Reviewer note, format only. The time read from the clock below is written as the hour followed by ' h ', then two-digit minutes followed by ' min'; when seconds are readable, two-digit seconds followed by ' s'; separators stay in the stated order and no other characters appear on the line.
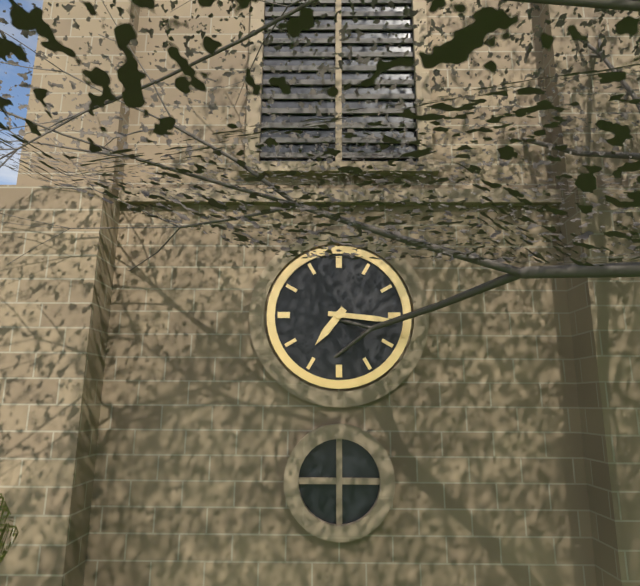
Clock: 7 h 16 min
